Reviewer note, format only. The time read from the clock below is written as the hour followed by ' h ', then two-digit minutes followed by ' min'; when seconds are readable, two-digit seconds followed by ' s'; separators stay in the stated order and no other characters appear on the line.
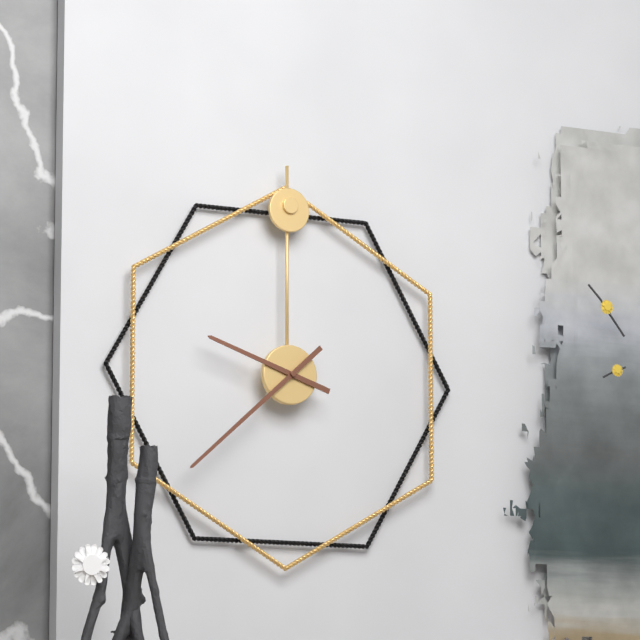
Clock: 9 h 38 min
